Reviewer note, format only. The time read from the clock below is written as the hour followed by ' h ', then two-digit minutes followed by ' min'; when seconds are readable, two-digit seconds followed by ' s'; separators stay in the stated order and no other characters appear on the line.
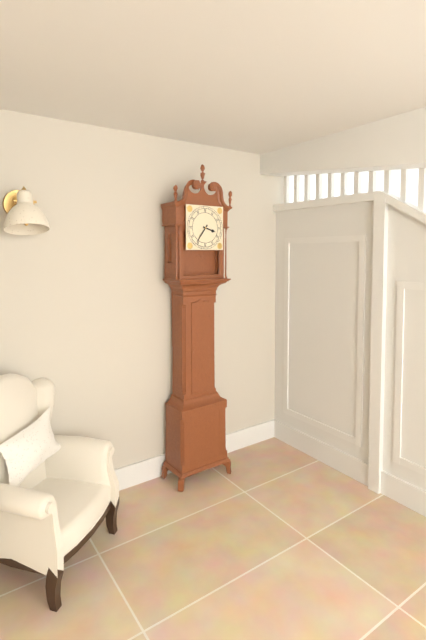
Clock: 3 h 36 min
